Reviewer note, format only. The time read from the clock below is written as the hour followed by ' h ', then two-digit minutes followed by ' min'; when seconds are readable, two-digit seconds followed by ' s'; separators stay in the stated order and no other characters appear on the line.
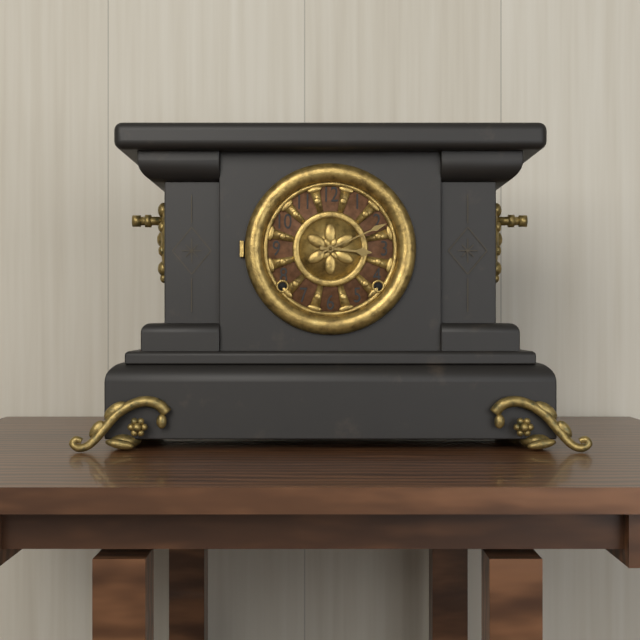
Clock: 3 h 11 min
